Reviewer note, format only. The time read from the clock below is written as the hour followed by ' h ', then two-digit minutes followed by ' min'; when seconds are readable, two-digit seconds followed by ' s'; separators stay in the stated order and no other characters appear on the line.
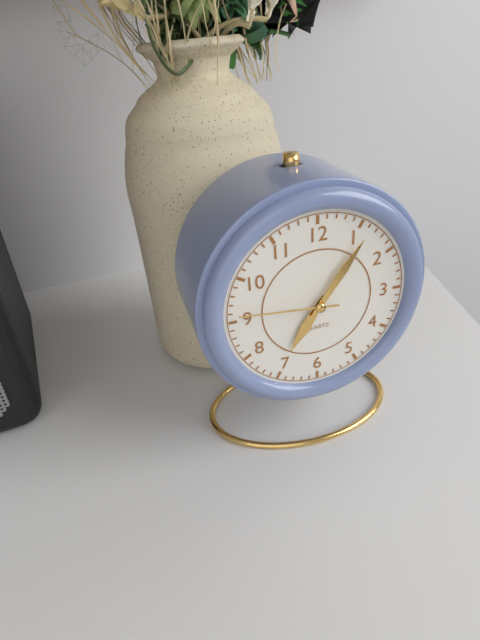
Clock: 7 h 06 min 46 s
